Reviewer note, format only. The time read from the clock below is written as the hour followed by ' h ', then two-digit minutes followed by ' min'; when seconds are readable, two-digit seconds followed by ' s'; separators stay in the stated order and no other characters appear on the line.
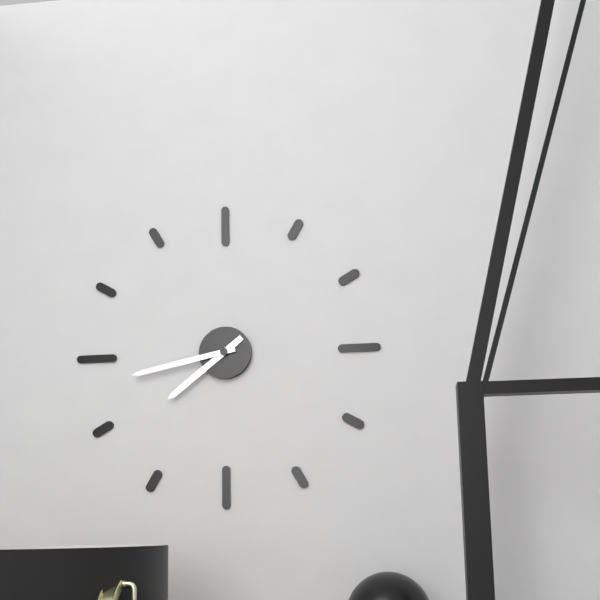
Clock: 7 h 43 min
